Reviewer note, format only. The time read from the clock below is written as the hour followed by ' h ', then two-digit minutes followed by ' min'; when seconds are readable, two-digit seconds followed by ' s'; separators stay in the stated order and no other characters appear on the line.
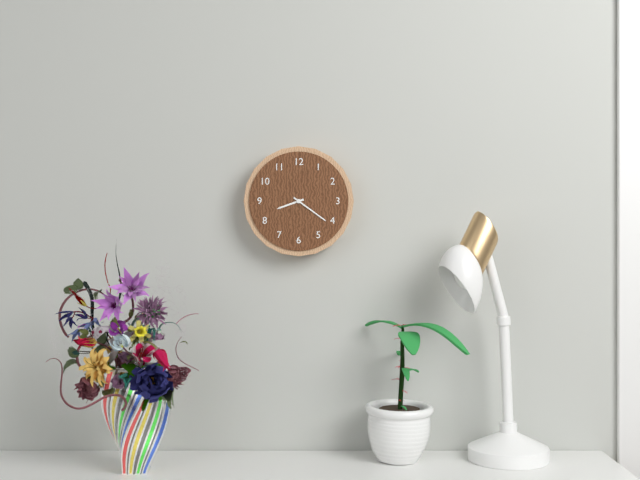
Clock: 8 h 21 min
